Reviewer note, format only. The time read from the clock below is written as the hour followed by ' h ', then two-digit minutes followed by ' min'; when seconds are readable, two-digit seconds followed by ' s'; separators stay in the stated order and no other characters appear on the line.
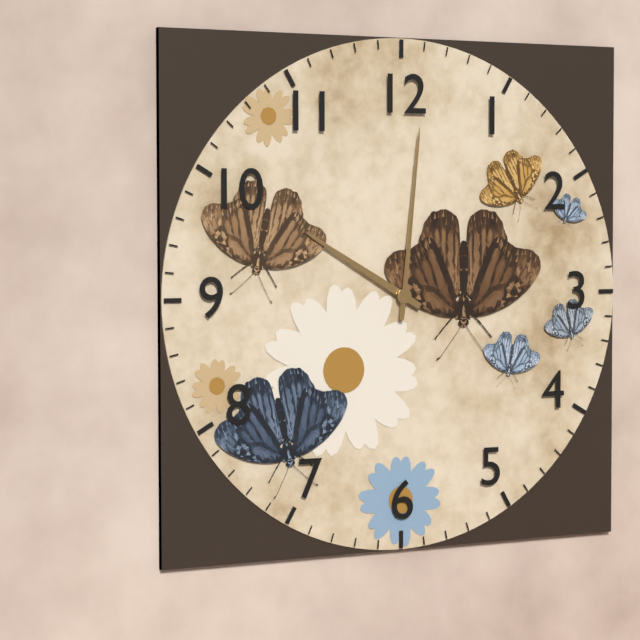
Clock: 10 h 01 min
